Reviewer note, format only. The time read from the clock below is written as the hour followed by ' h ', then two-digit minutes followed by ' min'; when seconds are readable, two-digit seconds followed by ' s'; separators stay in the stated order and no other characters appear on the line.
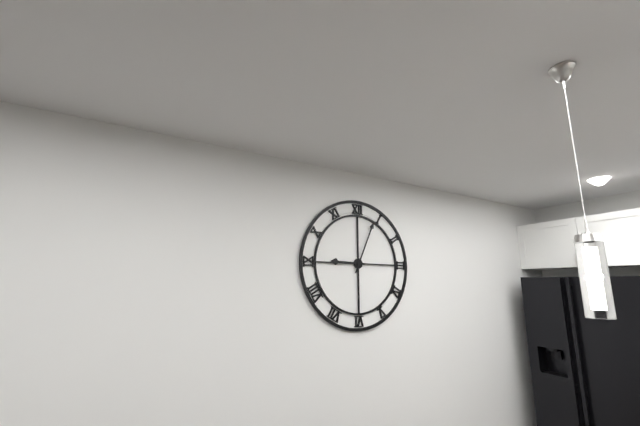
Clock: 9 h 04 min
